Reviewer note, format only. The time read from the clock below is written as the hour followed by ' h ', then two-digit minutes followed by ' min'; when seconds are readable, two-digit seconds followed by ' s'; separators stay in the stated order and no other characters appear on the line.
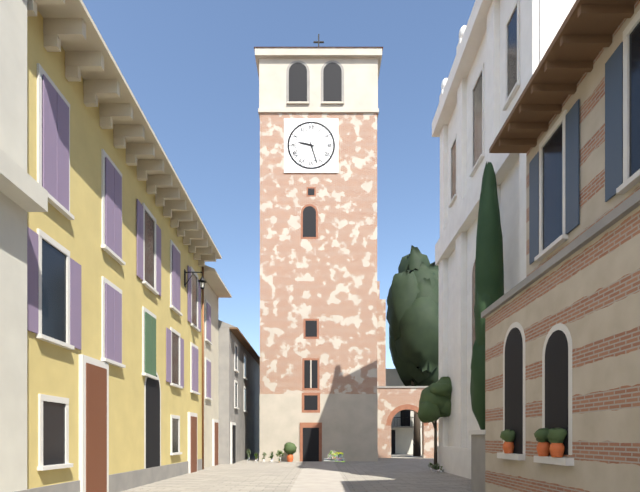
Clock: 9 h 27 min
